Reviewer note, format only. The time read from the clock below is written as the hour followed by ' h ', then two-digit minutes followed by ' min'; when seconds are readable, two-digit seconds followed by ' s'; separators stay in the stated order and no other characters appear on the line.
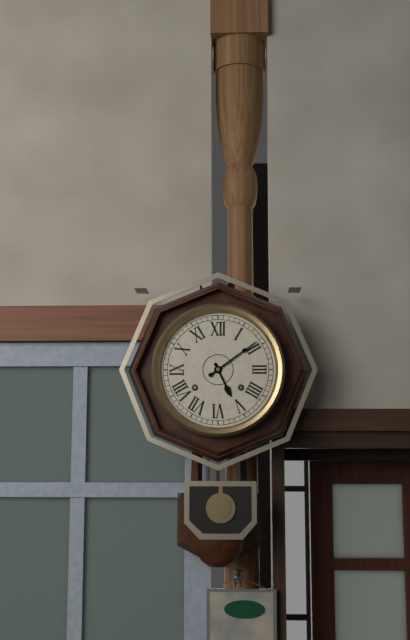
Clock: 5 h 09 min
